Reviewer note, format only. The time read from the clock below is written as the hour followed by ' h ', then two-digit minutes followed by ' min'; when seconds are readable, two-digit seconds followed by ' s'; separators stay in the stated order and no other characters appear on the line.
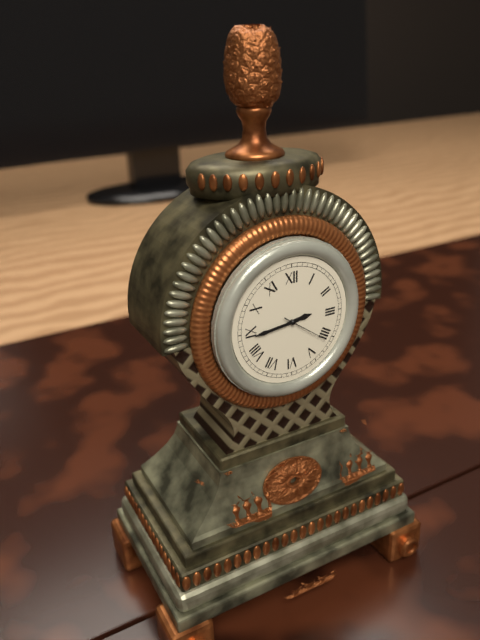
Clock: 2 h 44 min
